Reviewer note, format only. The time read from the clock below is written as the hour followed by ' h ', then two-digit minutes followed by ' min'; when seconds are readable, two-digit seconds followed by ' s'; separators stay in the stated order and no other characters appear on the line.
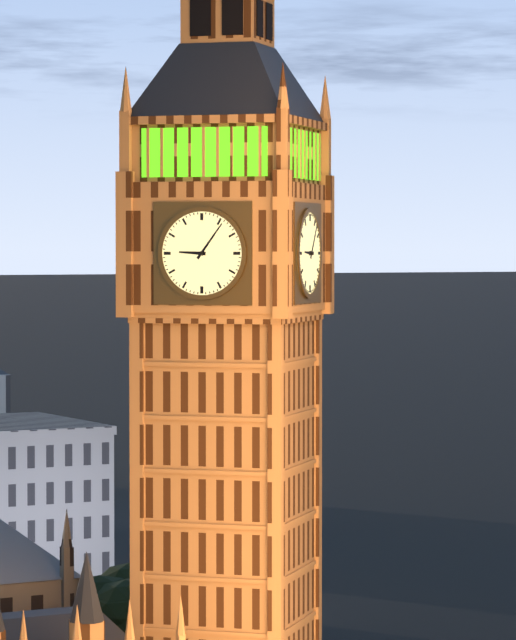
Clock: 9 h 06 min
